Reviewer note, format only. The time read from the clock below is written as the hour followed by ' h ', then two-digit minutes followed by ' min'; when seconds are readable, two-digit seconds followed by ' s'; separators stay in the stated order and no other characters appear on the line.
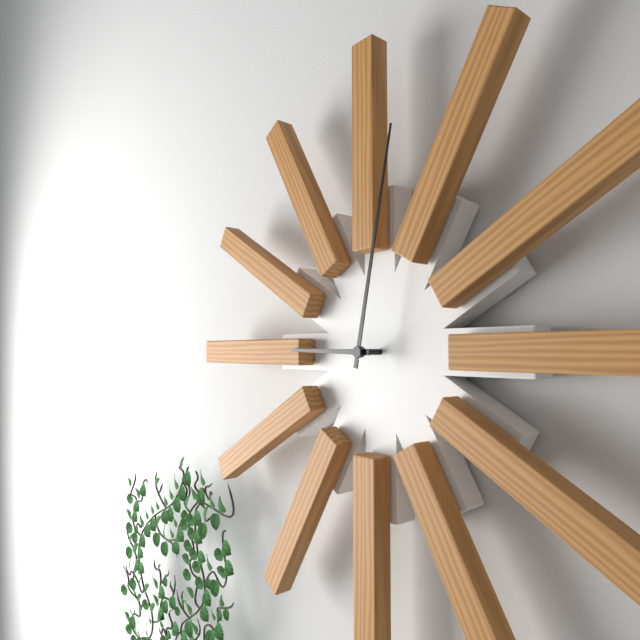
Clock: 9 h 02 min
